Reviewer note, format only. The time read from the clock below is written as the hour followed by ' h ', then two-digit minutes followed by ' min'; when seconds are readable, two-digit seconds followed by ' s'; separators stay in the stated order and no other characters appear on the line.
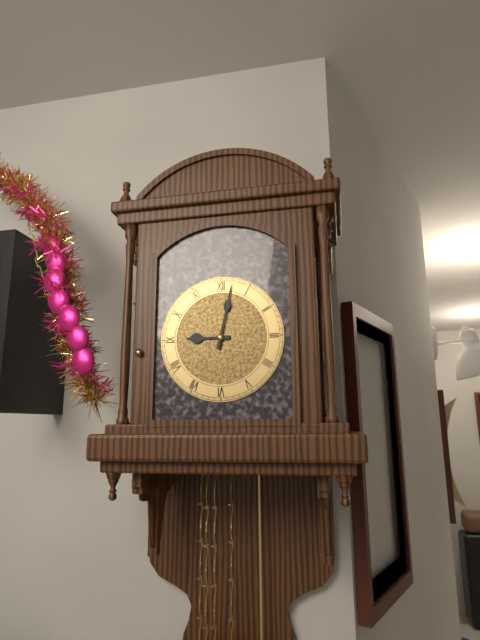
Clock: 9 h 02 min
